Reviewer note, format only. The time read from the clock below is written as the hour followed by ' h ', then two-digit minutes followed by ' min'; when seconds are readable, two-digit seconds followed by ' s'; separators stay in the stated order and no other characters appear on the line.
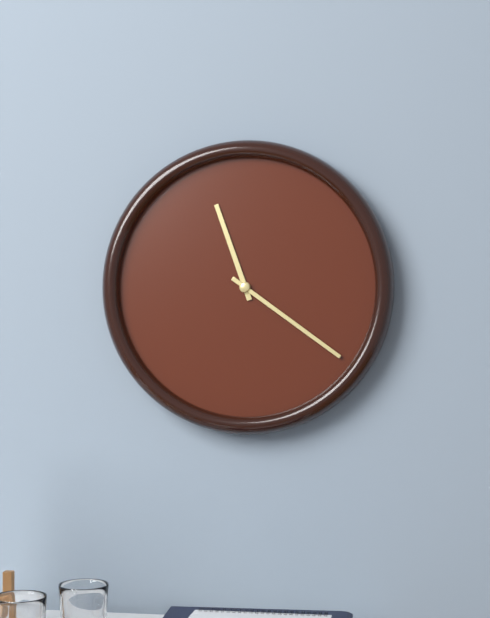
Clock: 11 h 21 min
